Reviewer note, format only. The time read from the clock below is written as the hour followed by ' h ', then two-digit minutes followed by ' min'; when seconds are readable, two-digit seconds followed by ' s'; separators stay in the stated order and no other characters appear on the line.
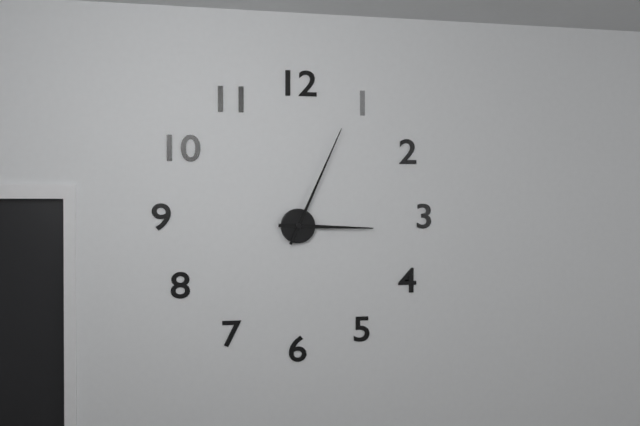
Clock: 3 h 04 min
